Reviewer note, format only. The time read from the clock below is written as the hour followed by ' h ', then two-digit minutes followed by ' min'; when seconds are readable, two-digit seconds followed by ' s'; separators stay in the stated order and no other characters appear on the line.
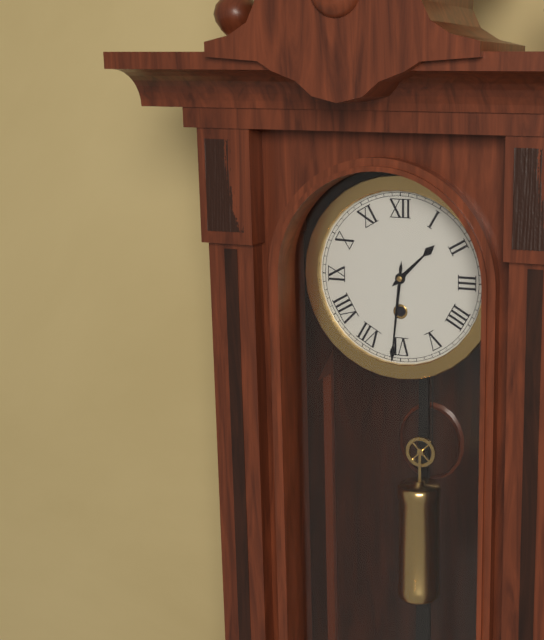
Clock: 1 h 31 min
